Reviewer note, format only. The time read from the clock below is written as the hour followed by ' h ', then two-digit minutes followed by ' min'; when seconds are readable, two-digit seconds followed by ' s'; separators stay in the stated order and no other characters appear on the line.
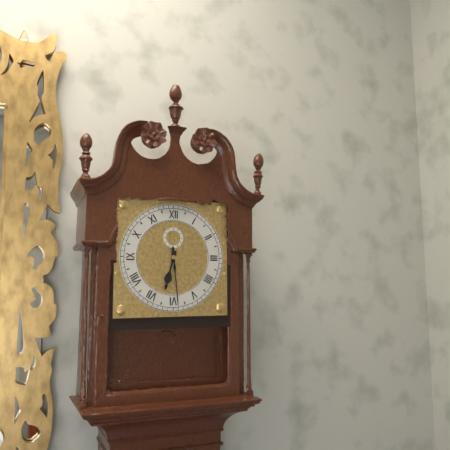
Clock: 6 h 29 min
